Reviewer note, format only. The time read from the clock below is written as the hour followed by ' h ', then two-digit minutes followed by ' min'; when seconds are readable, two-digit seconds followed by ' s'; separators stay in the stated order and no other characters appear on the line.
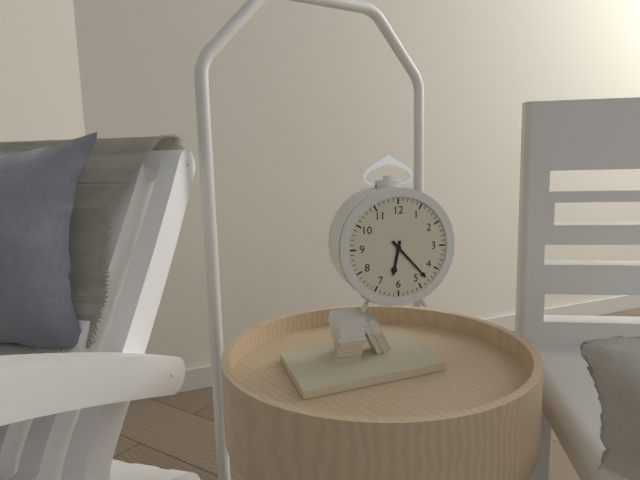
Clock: 6 h 23 min
